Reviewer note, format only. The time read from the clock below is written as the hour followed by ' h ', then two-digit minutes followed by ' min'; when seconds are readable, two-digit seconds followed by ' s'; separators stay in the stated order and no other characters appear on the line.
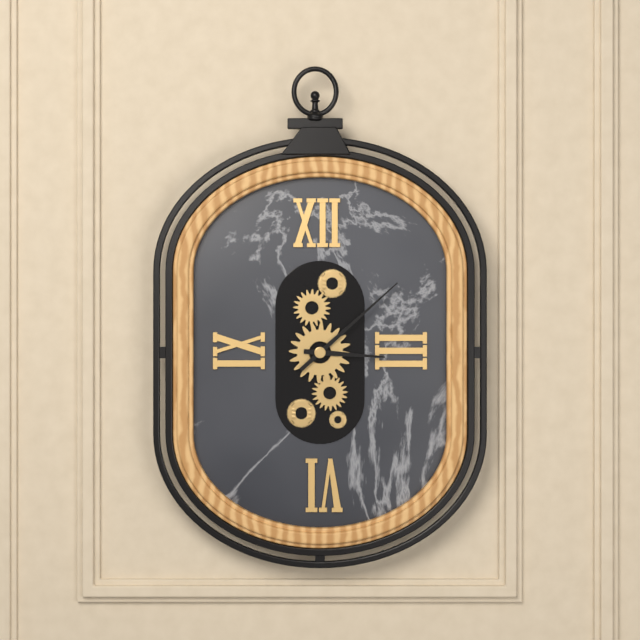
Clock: 3 h 08 min
